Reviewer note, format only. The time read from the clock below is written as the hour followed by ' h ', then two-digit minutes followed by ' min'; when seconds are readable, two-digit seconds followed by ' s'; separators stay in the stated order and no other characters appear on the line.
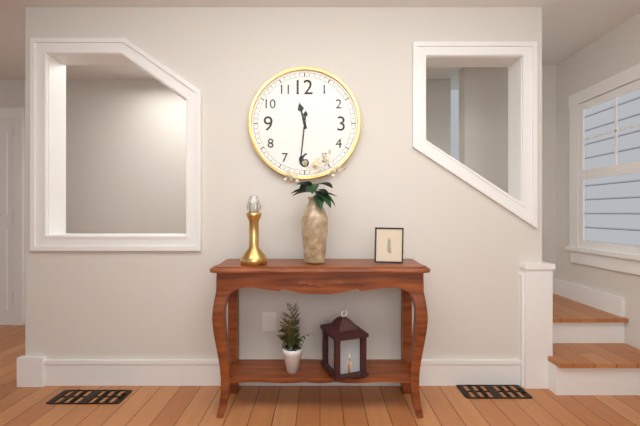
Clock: 11 h 31 min
